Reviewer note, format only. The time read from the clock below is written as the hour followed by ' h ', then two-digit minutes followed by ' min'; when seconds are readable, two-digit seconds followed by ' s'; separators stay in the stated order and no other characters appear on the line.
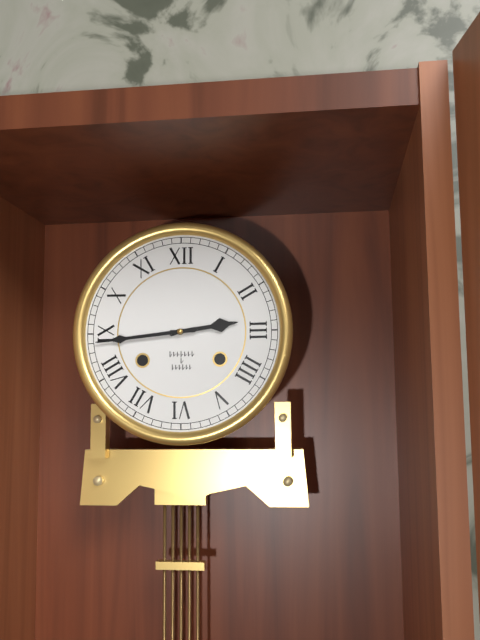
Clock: 2 h 44 min
